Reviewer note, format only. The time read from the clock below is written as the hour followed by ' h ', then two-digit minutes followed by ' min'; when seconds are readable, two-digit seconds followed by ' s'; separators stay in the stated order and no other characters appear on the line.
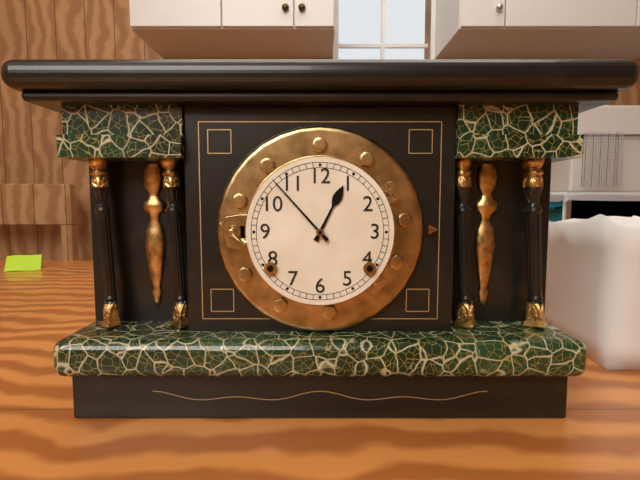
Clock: 12 h 53 min
